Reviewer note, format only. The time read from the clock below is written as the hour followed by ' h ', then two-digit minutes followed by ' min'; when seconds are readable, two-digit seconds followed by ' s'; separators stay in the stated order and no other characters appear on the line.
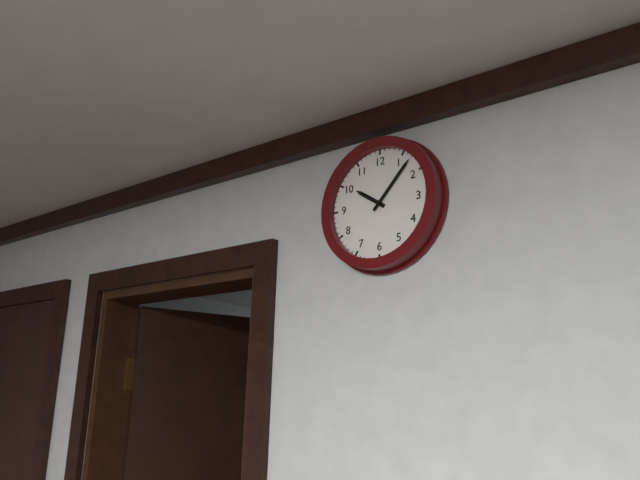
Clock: 10 h 07 min
